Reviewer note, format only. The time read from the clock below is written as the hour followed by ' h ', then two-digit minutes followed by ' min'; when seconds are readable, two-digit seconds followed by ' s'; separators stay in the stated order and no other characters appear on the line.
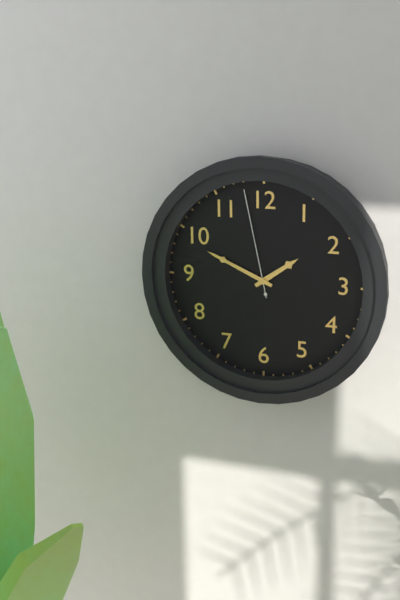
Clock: 1 h 49 min 58 s
